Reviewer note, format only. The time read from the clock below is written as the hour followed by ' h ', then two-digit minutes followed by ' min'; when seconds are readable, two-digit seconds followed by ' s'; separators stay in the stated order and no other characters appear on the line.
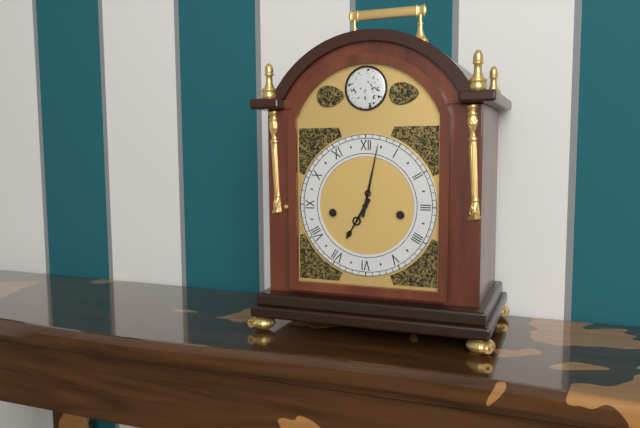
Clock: 7 h 02 min
